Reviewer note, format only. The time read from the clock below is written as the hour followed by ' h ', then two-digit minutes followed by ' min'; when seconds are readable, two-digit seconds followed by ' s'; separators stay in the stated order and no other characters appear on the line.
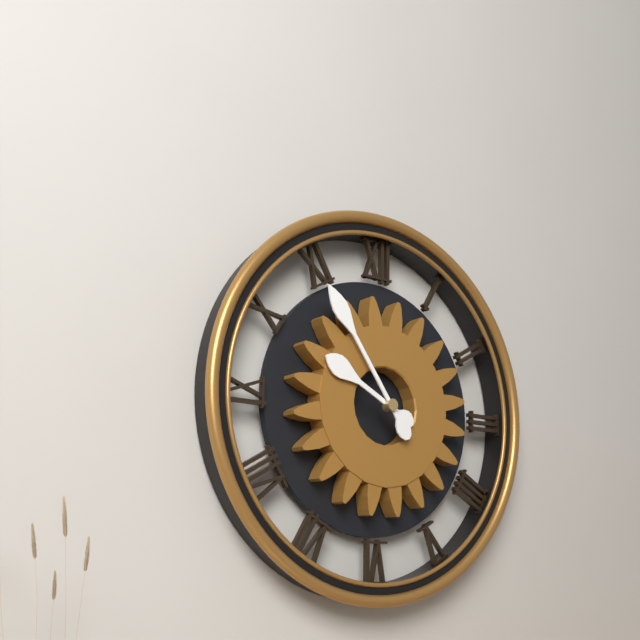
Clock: 9 h 54 min
